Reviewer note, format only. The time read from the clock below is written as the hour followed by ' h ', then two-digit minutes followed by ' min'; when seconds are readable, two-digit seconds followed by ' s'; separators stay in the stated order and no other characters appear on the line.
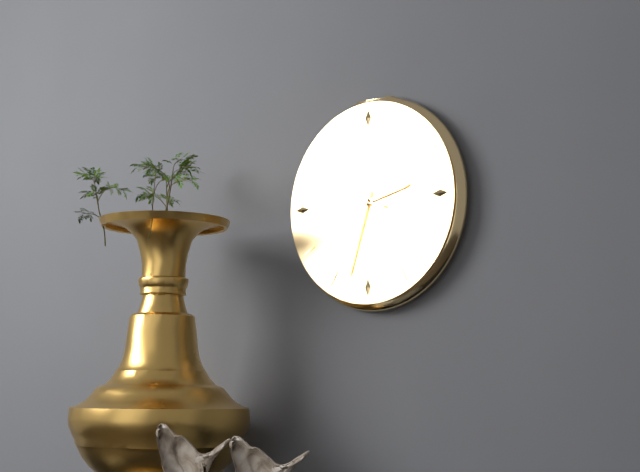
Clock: 2 h 33 min 48 s
